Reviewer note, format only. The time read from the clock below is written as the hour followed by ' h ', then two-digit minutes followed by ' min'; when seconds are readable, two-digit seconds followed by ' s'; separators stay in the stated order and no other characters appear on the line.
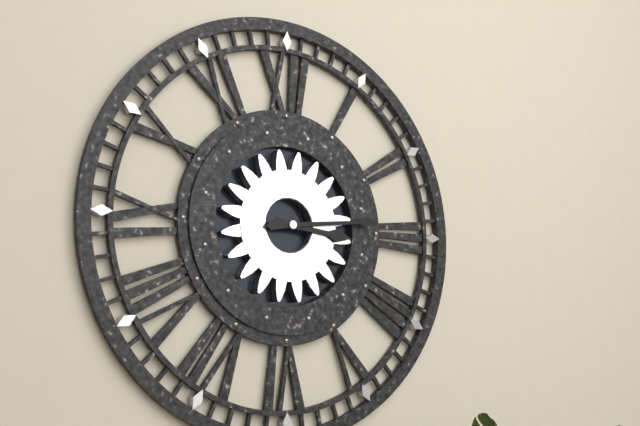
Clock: 3 h 14 min
